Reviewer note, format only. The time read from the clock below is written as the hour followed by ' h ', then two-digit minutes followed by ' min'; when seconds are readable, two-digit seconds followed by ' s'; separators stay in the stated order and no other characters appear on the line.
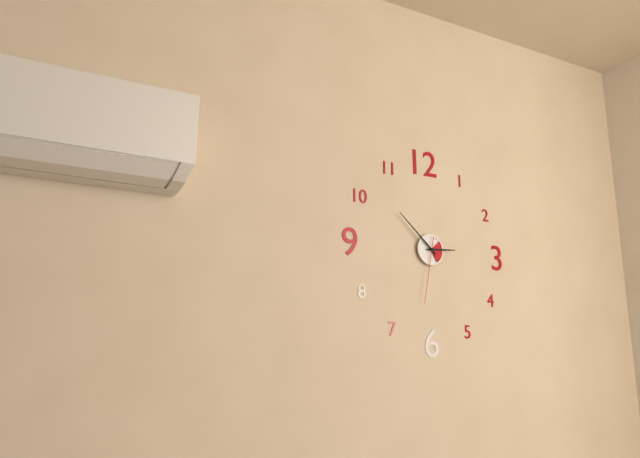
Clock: 2 h 52 min 32 s
